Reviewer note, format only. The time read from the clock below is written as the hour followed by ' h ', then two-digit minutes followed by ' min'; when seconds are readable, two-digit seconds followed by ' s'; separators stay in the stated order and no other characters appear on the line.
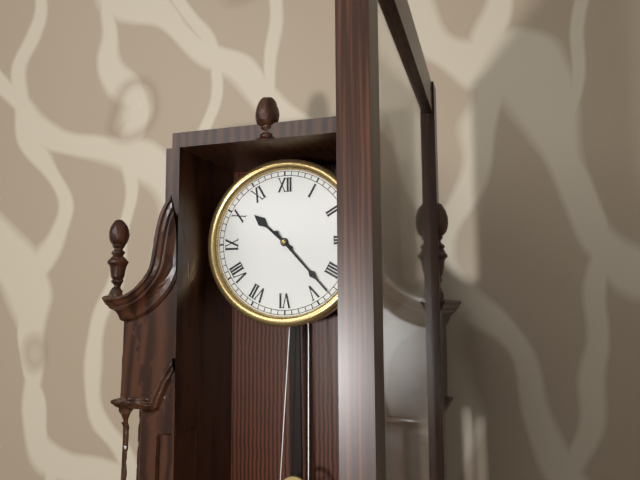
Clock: 10 h 23 min
